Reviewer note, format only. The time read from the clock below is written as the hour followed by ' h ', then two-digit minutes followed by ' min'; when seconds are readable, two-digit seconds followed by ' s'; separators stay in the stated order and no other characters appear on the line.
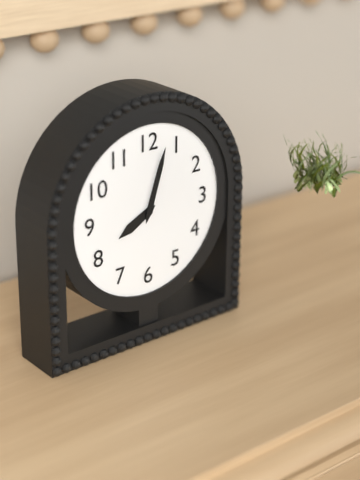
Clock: 8 h 03 min
